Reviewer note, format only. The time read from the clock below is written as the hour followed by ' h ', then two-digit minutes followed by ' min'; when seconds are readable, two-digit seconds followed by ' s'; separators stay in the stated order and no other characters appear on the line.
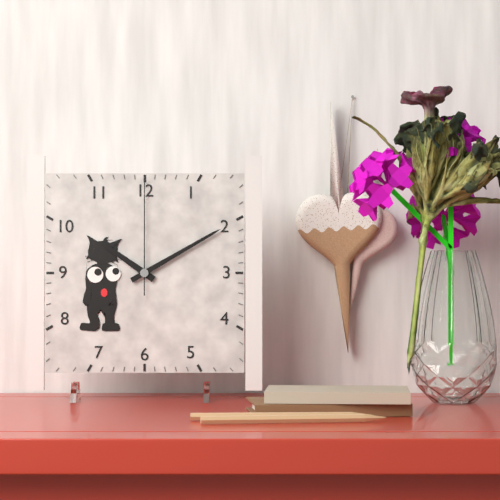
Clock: 10 h 10 min 00 s
